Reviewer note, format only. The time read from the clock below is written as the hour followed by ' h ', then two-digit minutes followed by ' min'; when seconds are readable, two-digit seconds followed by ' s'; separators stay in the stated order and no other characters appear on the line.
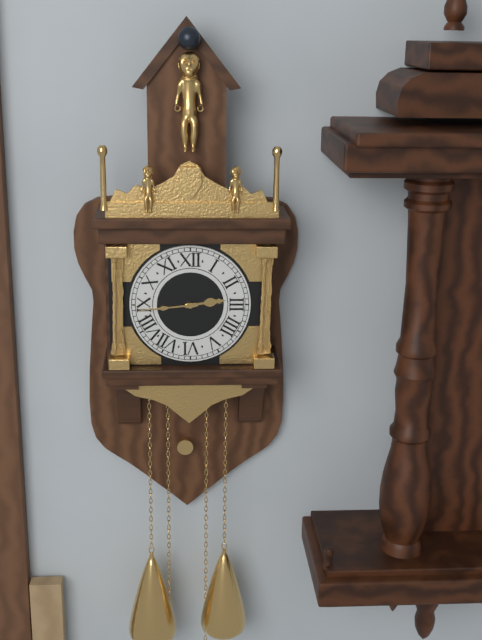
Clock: 2 h 44 min
